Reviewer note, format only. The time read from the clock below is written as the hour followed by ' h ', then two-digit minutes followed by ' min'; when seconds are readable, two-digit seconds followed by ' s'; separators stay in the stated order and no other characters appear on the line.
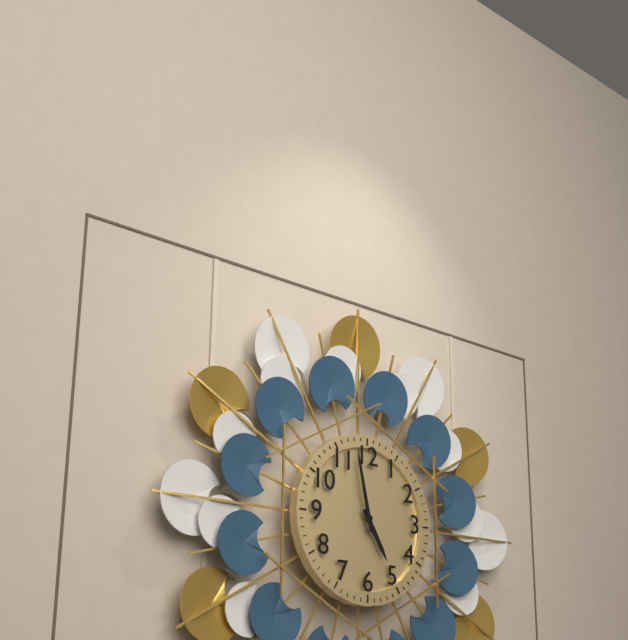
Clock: 4 h 58 min
